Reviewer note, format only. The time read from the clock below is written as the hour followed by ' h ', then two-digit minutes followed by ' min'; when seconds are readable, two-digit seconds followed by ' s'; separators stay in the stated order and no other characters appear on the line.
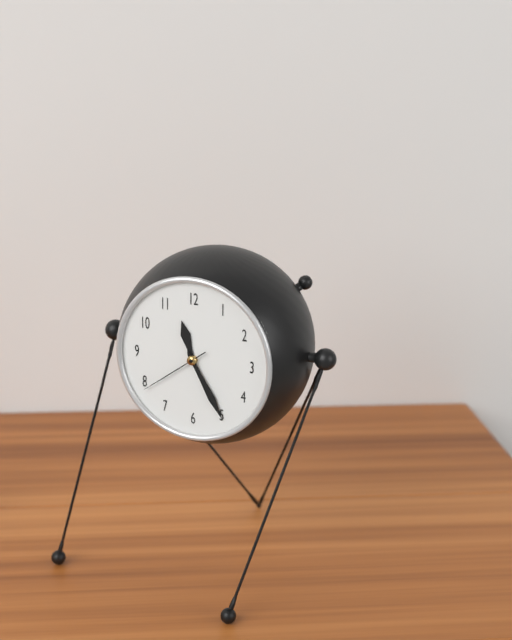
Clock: 11 h 25 min 39 s
